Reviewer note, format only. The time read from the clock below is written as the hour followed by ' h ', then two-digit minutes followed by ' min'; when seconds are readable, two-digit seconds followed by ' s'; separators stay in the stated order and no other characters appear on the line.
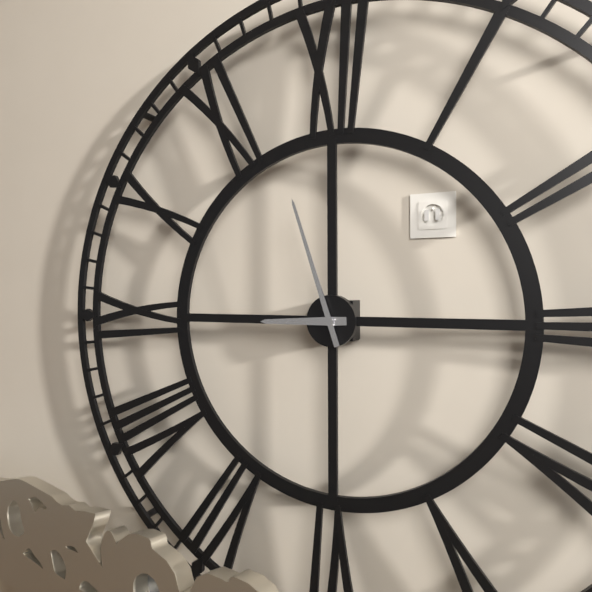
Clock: 8 h 57 min
